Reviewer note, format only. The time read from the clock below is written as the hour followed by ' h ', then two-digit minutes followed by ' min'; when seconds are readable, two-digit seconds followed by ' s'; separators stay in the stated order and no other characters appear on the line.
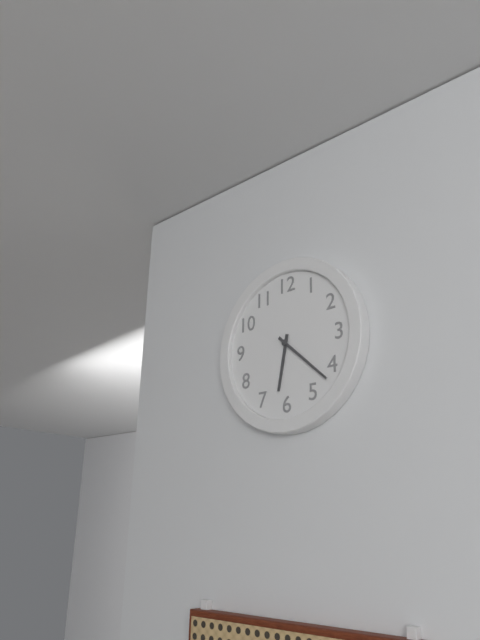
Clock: 6 h 22 min
